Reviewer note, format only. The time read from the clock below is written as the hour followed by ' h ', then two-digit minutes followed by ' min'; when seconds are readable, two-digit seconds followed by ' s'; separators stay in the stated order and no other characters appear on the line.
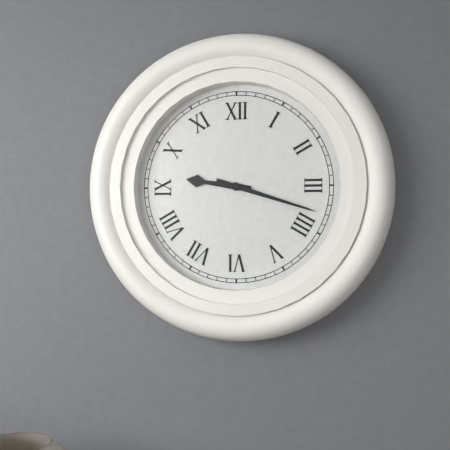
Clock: 9 h 18 min
